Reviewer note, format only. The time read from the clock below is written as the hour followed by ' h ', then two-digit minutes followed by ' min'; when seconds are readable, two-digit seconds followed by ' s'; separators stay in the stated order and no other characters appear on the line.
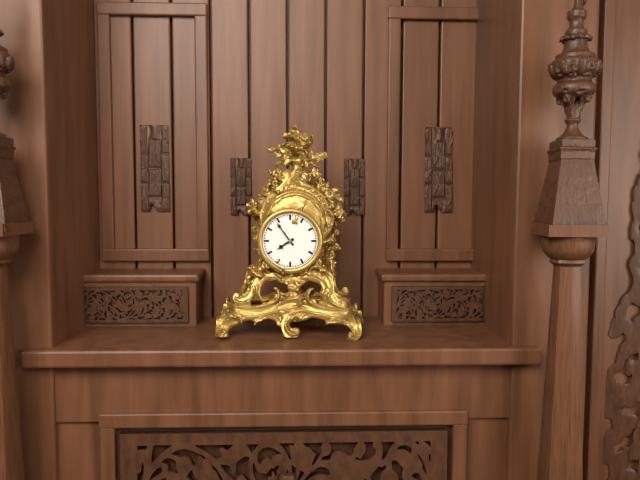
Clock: 7 h 54 min
